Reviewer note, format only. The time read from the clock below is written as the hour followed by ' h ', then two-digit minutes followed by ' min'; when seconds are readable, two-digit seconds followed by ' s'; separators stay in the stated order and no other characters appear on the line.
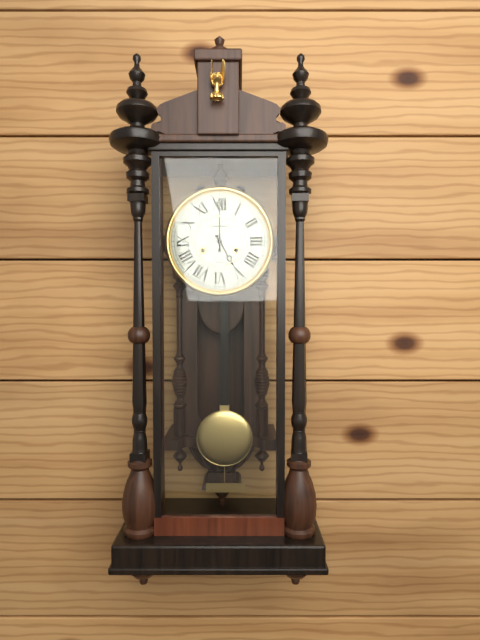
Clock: 5 h 00 min
